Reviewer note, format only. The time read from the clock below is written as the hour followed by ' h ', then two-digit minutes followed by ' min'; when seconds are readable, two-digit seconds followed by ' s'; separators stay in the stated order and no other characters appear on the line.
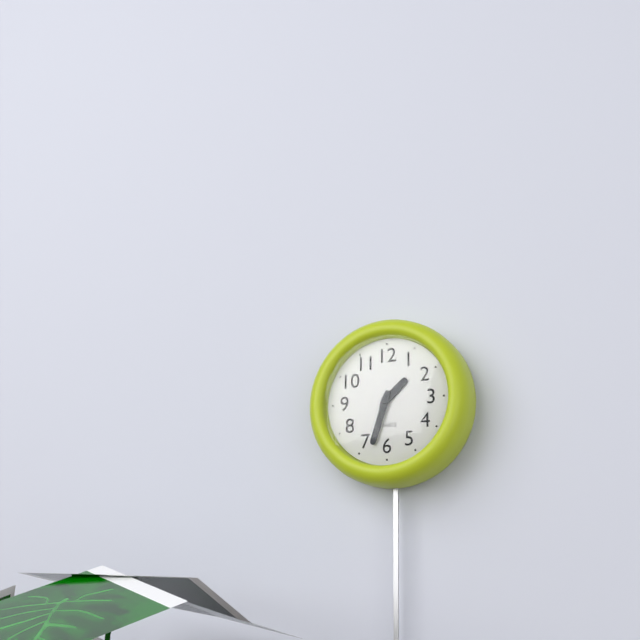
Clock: 1 h 33 min
